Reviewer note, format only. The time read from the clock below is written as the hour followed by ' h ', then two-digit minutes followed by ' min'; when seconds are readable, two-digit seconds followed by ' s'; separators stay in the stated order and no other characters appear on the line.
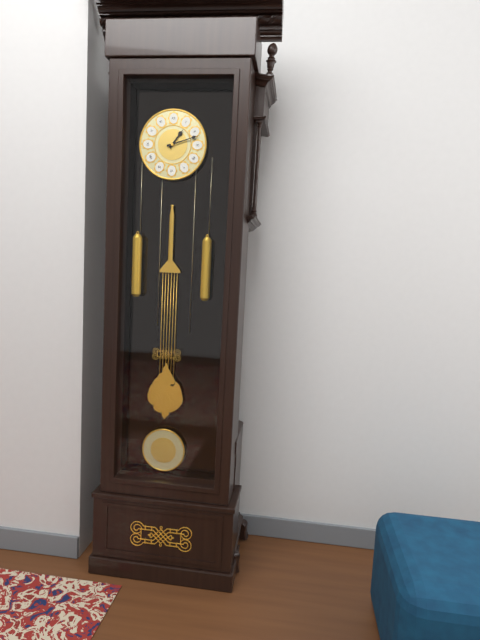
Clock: 1 h 12 min
